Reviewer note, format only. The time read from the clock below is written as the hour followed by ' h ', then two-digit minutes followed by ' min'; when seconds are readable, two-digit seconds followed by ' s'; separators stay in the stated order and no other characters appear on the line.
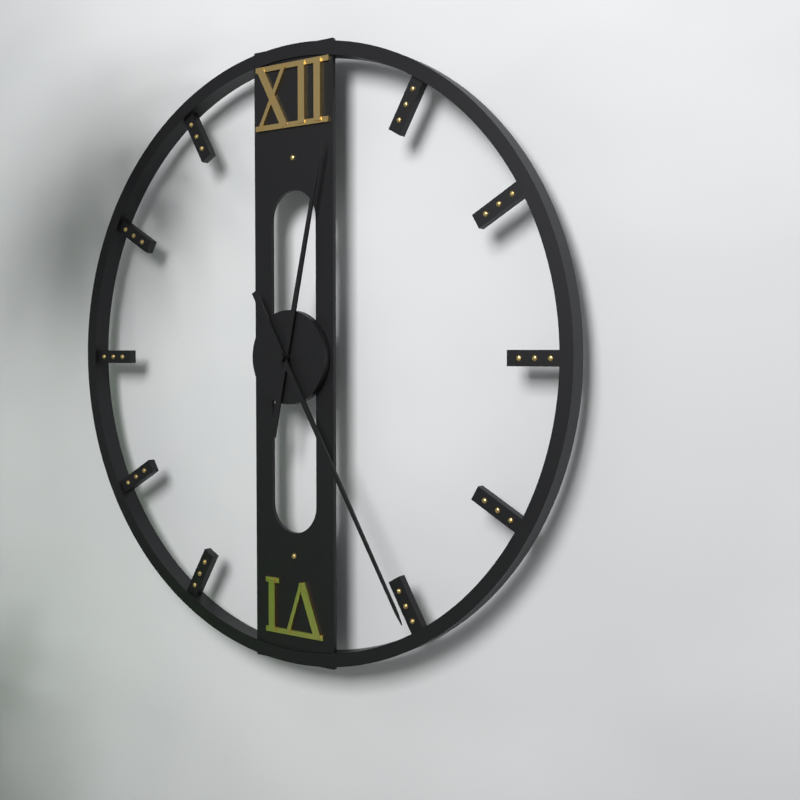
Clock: 12 h 25 min
